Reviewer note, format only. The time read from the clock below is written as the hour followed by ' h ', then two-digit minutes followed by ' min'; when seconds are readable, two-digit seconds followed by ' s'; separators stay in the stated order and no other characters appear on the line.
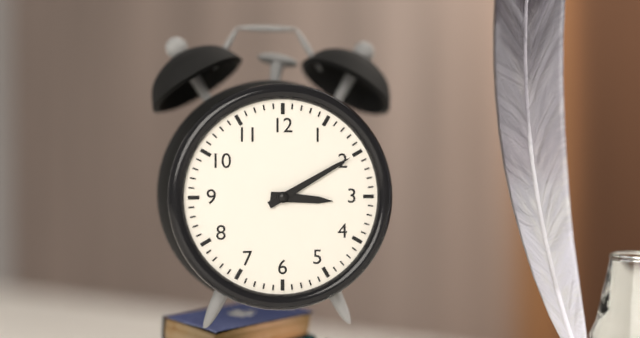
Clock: 3 h 10 min
